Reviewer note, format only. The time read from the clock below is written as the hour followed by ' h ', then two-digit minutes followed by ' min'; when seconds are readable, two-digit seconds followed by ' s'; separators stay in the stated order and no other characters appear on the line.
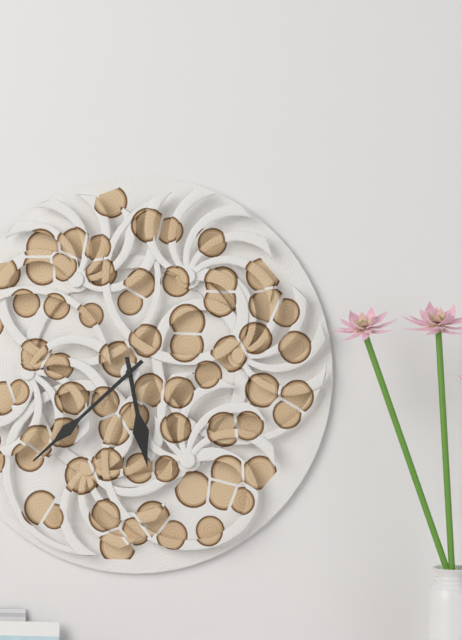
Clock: 5 h 38 min
